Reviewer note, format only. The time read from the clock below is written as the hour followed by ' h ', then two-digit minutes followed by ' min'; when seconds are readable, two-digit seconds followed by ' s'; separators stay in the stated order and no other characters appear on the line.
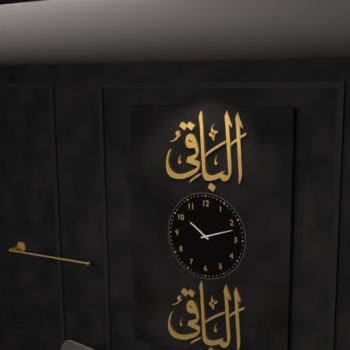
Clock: 10 h 12 min
